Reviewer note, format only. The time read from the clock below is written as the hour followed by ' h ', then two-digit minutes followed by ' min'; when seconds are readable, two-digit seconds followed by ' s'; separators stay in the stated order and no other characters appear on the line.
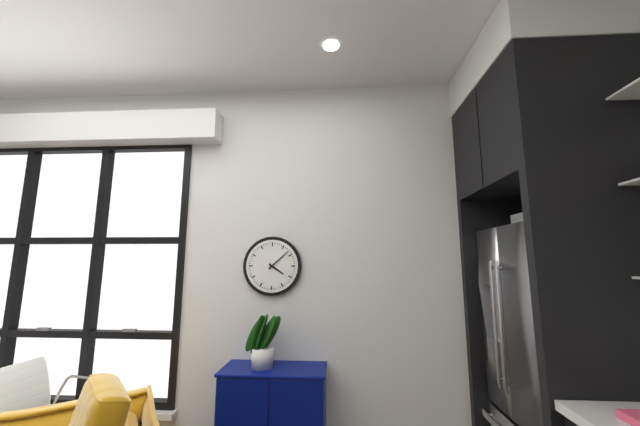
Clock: 4 h 08 min
